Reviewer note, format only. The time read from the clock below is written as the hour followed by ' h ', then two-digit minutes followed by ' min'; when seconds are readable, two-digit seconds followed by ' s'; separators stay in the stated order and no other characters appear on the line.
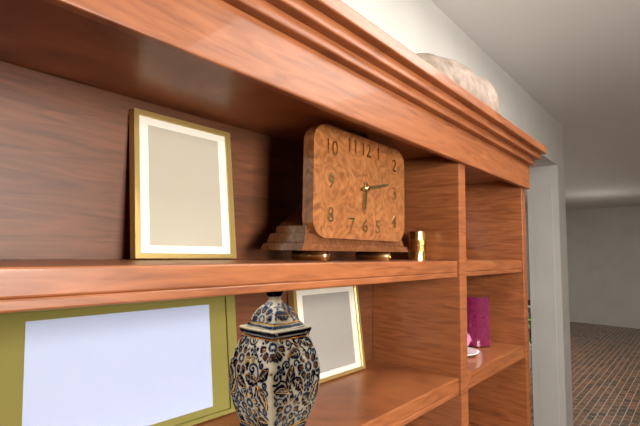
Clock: 6 h 13 min
